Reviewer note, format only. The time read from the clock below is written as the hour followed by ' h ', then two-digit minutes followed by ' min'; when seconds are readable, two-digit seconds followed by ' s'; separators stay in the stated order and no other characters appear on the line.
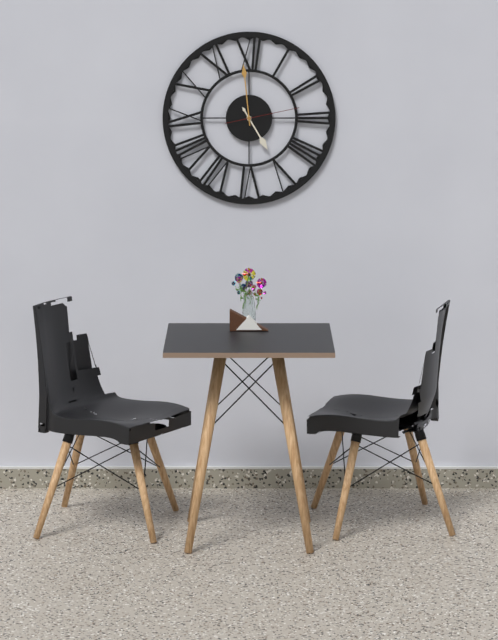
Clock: 4 h 59 min 13 s
